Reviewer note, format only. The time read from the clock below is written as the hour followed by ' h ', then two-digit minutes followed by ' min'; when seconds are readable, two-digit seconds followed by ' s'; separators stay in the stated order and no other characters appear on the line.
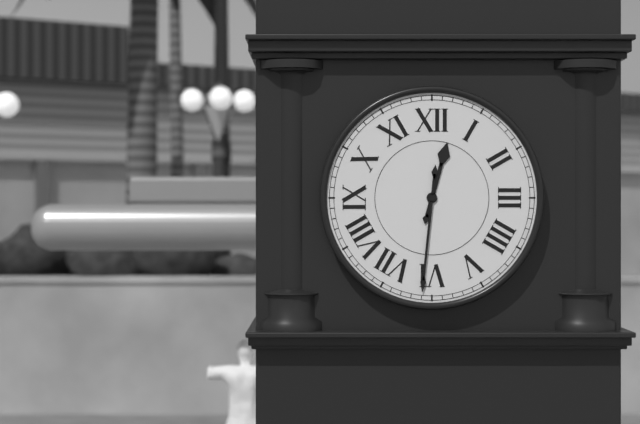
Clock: 12 h 31 min
